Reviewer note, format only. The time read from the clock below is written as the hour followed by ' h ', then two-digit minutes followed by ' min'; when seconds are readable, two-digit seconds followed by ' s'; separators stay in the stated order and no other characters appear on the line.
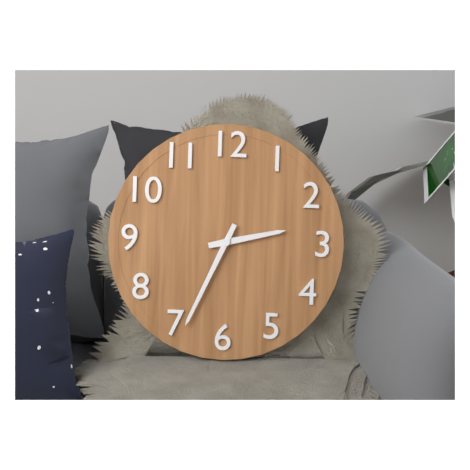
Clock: 2 h 34 min
